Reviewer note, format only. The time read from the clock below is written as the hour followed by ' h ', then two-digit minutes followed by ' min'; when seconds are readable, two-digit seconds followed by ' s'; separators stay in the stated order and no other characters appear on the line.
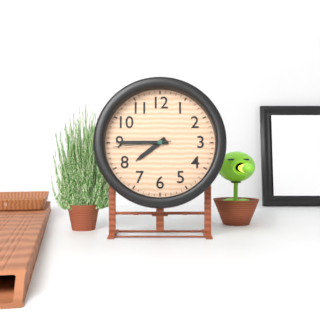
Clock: 7 h 45 min 44 s
